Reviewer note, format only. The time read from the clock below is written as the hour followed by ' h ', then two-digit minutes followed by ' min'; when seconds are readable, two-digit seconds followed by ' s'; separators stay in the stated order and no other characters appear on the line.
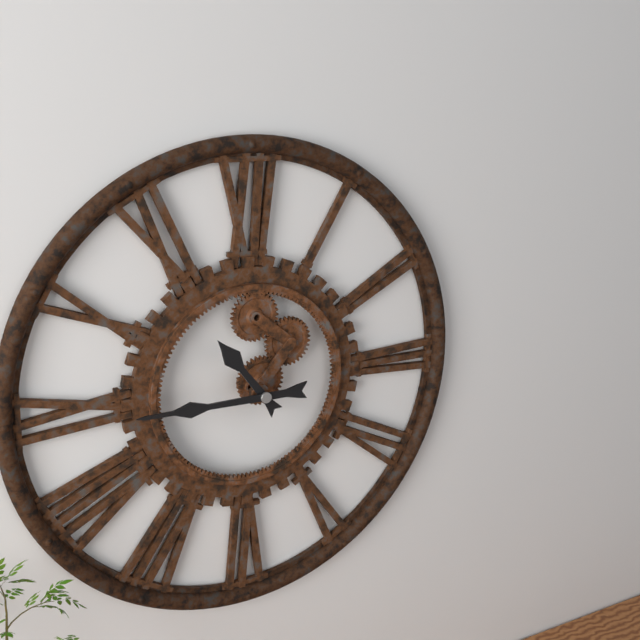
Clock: 10 h 45 min
